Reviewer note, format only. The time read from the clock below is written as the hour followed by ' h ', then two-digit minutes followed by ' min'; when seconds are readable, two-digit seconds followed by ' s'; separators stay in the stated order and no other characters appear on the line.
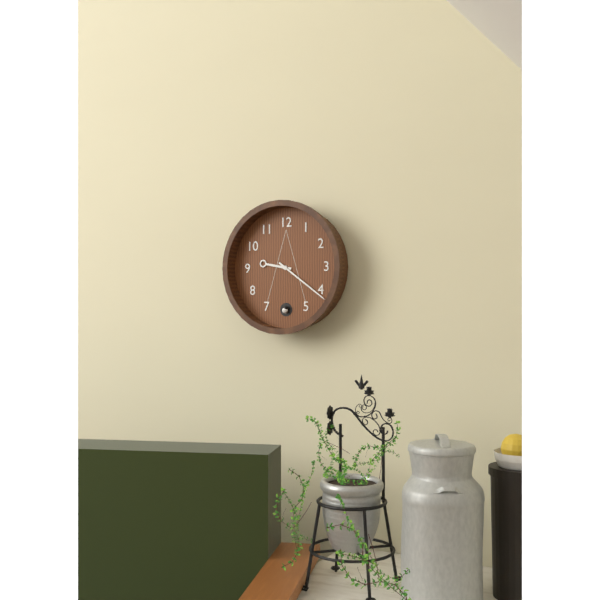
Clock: 9 h 21 min
